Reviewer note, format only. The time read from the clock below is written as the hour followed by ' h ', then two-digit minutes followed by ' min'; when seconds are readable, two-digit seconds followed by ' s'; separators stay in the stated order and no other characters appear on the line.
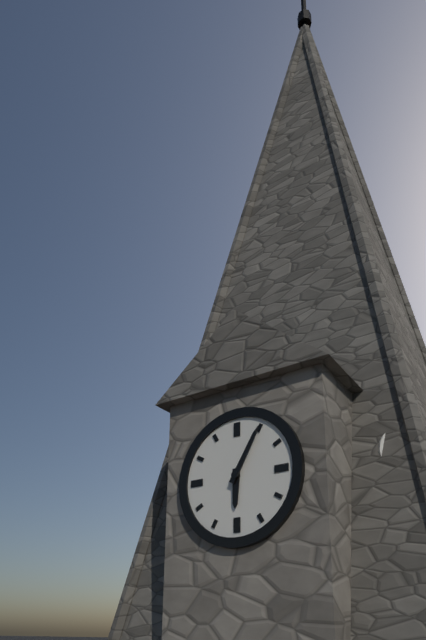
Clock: 6 h 05 min
